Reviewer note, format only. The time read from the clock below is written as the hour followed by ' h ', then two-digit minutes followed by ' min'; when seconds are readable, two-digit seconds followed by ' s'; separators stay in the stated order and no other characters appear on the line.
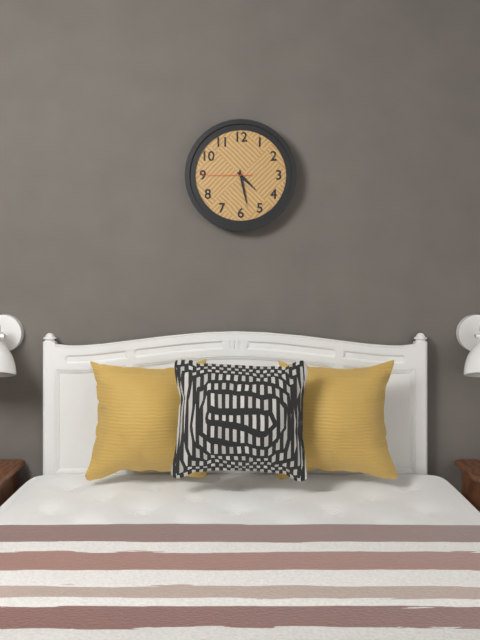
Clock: 4 h 28 min 45 s
